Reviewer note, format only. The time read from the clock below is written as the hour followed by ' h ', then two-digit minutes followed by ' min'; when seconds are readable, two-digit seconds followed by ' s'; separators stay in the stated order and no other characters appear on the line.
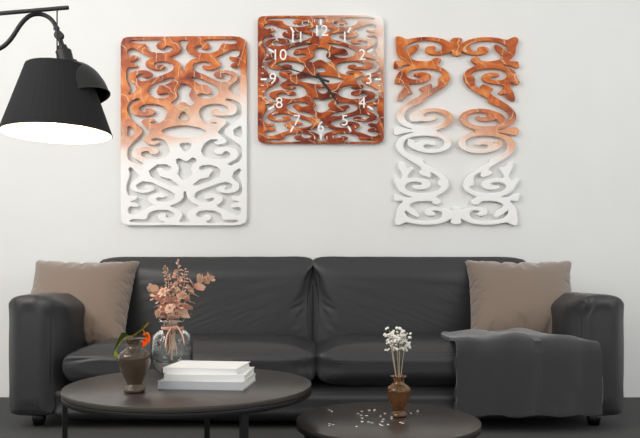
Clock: 4 h 48 min
